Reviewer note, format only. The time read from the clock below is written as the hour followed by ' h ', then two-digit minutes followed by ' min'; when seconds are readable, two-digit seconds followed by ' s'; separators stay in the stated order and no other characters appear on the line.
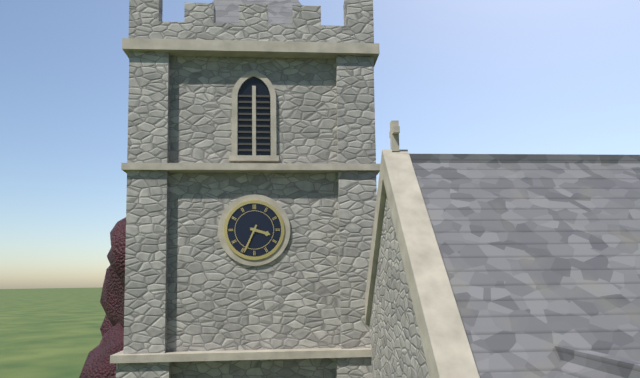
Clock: 3 h 34 min
